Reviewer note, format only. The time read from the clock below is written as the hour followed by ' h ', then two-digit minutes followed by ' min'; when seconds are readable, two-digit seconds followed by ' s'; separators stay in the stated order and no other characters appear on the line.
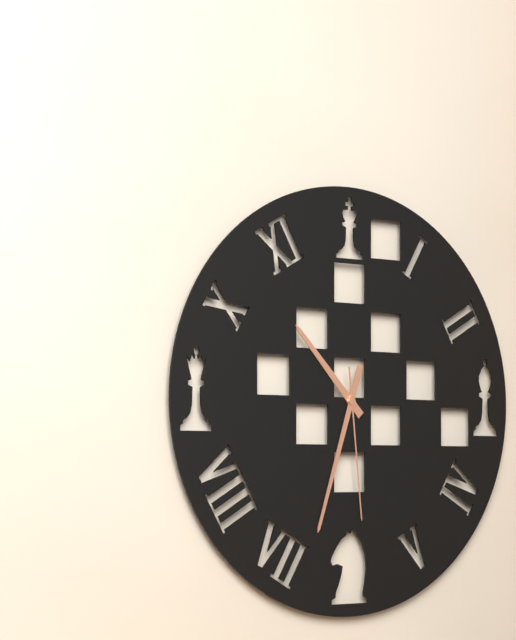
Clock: 10 h 33 min 29 s
